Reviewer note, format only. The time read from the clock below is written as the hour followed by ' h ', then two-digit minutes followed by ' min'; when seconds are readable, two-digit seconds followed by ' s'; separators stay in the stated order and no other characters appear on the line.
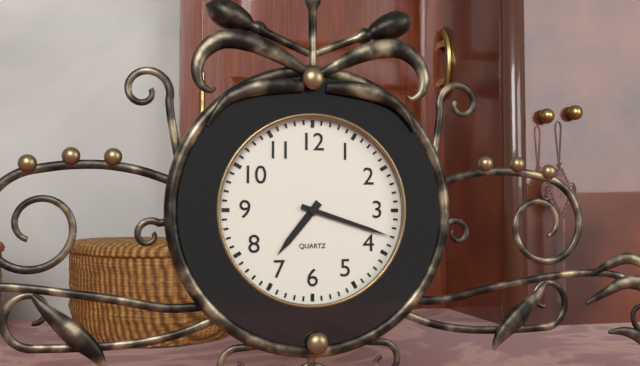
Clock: 7 h 18 min
